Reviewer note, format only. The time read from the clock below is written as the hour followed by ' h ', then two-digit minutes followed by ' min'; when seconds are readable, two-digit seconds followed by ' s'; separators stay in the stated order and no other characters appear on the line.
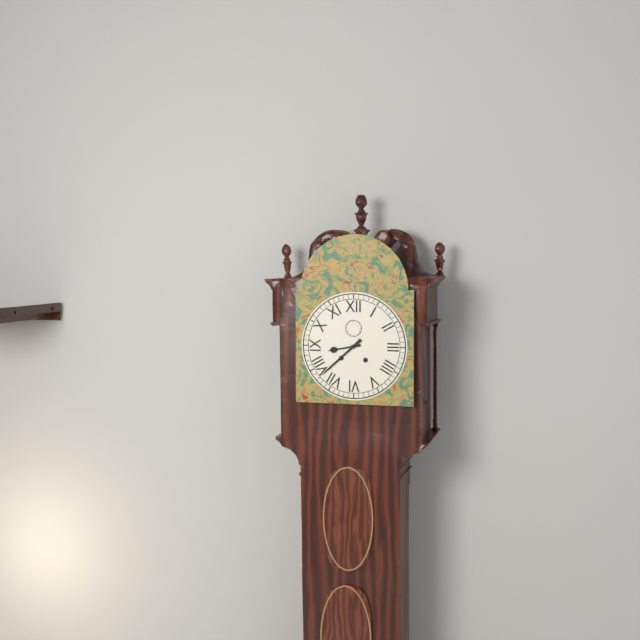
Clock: 8 h 38 min
